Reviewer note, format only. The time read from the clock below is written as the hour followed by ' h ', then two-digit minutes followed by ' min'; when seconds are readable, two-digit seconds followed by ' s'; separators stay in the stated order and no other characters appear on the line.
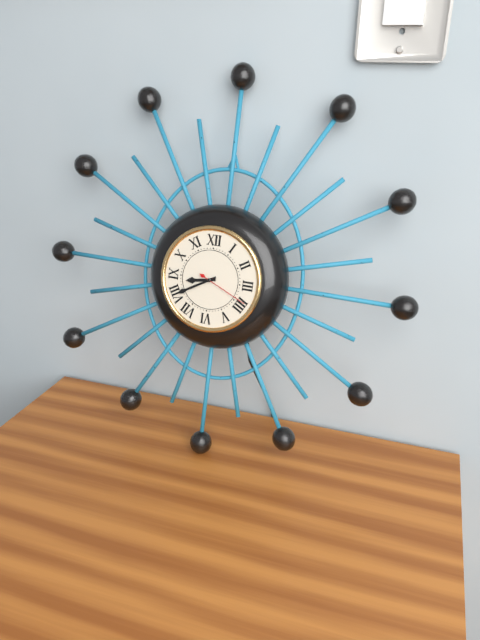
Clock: 8 h 40 min 19 s
